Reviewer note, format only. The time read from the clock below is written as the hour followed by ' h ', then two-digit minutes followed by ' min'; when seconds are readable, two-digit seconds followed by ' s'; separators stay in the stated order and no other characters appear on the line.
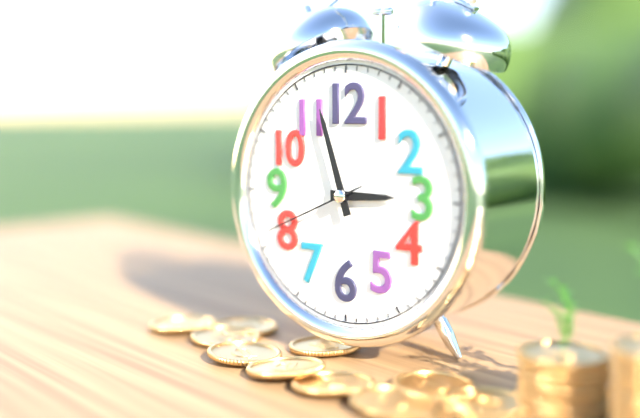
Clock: 2 h 57 min 41 s
